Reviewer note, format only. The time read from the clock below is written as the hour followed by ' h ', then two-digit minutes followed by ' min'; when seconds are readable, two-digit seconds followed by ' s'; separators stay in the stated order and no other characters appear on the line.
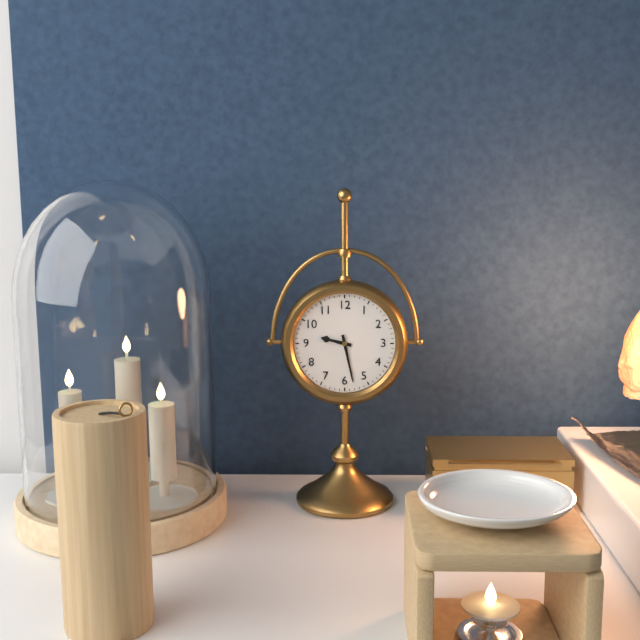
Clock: 9 h 28 min
